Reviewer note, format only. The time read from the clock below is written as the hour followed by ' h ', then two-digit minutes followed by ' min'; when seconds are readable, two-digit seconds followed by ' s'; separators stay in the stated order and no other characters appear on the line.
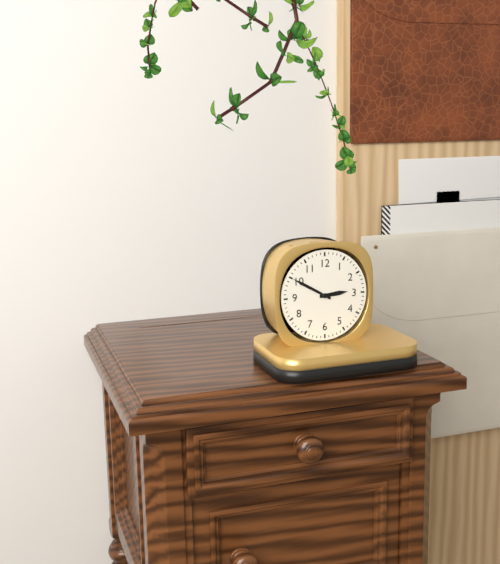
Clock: 2 h 50 min
